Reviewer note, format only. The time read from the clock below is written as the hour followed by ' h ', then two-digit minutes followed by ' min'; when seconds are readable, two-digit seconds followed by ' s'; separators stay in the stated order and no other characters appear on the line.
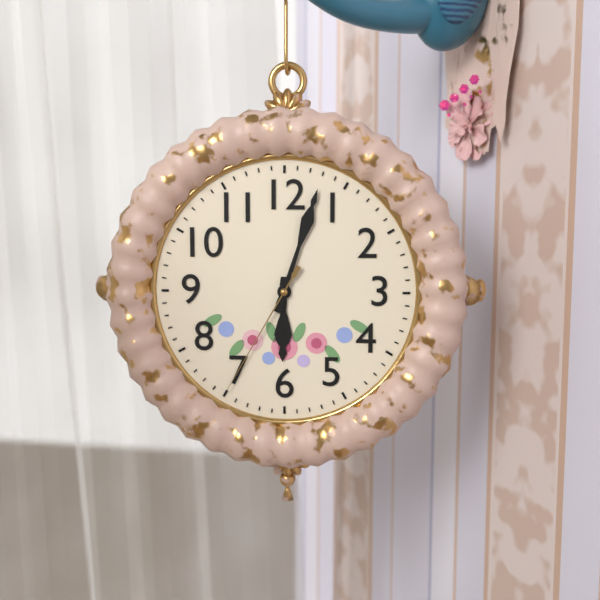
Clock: 6 h 03 min 35 s
